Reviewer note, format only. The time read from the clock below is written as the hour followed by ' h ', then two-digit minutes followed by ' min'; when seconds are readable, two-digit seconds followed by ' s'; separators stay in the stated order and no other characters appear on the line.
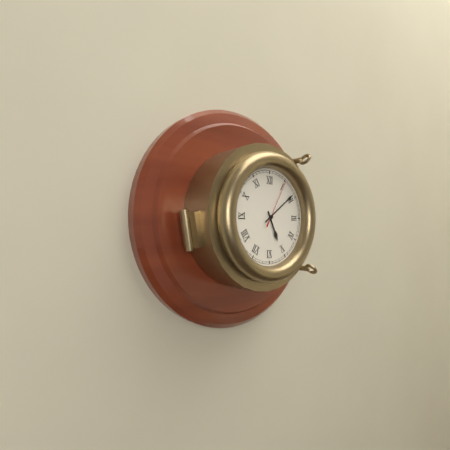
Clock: 5 h 09 min
